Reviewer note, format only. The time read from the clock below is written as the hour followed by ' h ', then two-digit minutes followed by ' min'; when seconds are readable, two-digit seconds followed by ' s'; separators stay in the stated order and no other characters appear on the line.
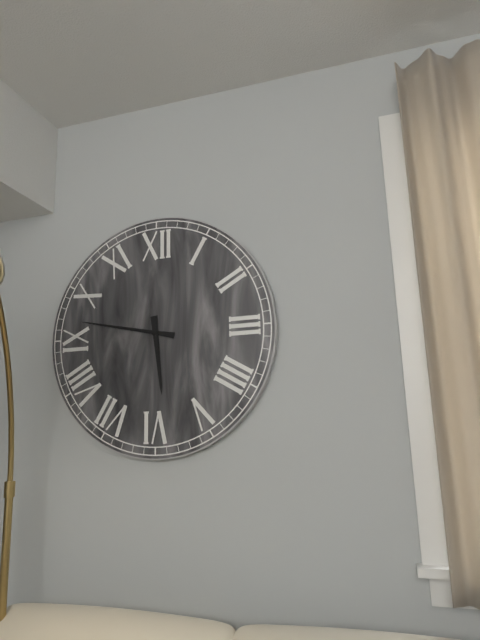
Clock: 5 h 47 min
